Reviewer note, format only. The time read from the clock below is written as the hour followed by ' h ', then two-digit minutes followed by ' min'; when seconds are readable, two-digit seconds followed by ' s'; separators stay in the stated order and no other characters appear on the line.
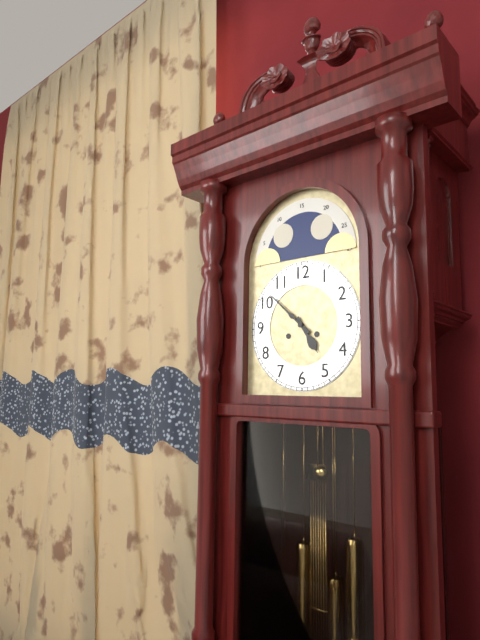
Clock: 4 h 52 min
